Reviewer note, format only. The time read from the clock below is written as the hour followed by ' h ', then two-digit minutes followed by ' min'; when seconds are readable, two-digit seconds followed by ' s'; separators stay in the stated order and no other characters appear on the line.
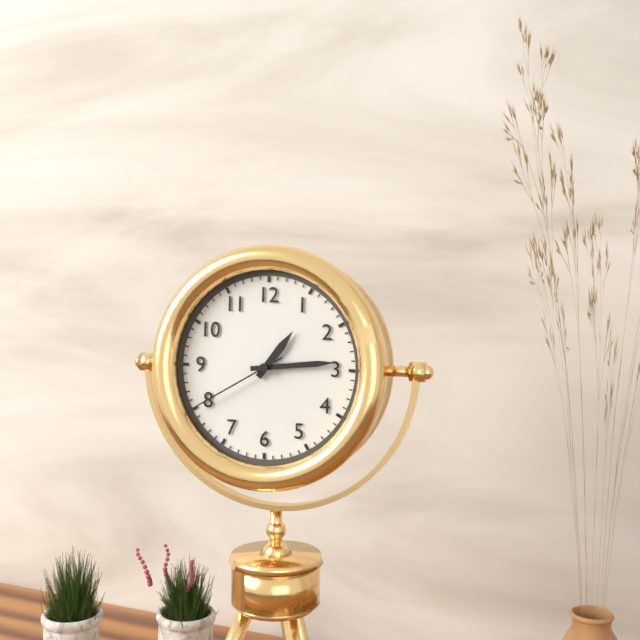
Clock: 1 h 14 min 40 s
